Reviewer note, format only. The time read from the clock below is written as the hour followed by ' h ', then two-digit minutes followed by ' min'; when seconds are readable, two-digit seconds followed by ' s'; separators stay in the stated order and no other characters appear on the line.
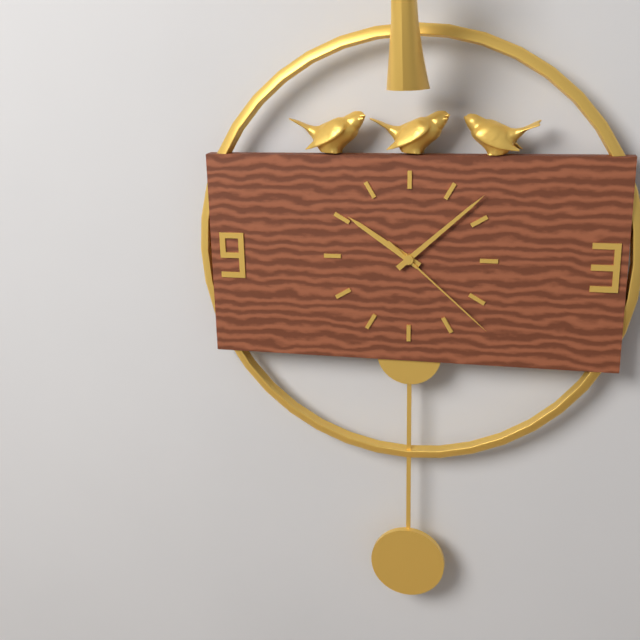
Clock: 10 h 08 min 22 s
